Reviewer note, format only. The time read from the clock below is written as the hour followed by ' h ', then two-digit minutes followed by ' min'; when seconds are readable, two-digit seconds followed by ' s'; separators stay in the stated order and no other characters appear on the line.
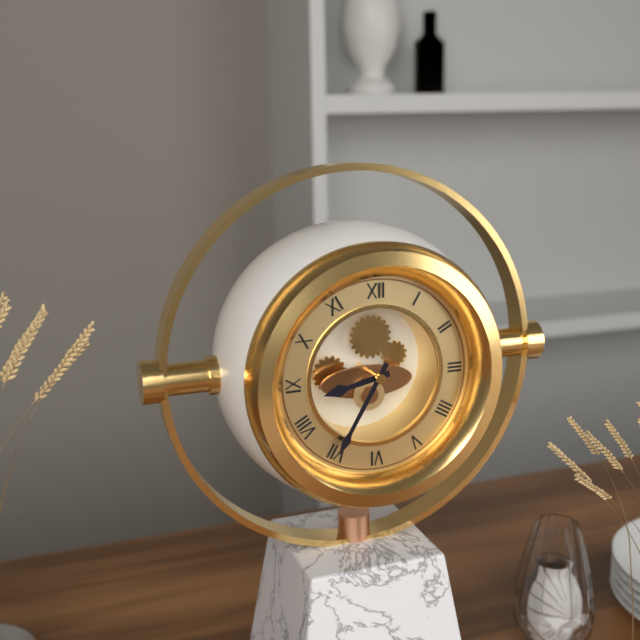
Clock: 8 h 35 min
